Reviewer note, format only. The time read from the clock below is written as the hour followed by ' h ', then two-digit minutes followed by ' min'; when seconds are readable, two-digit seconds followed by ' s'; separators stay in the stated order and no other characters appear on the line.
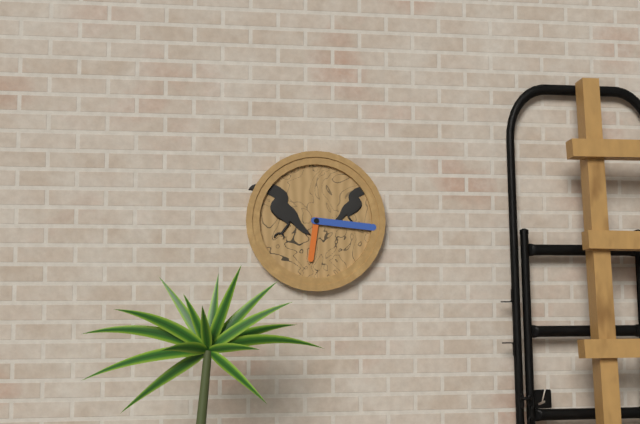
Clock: 6 h 16 min
